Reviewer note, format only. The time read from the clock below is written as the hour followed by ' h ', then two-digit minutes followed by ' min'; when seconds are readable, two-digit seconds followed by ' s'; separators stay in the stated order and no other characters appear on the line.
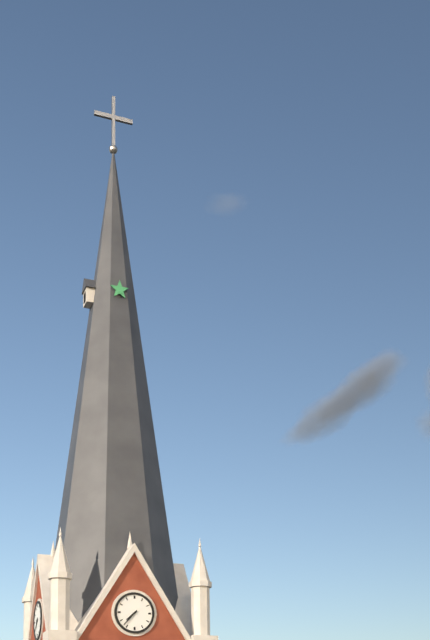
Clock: 7 h 37 min
